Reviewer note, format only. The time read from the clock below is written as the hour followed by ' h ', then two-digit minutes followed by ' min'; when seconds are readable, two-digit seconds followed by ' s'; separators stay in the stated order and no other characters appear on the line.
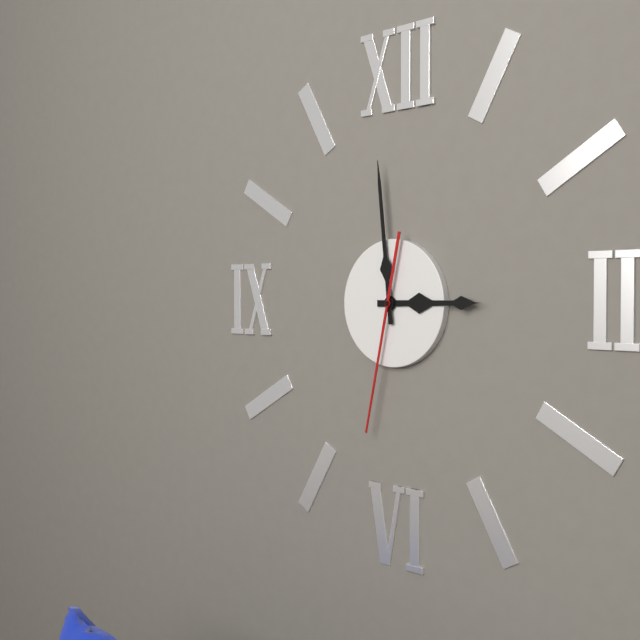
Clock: 2 h 59 min 32 s
